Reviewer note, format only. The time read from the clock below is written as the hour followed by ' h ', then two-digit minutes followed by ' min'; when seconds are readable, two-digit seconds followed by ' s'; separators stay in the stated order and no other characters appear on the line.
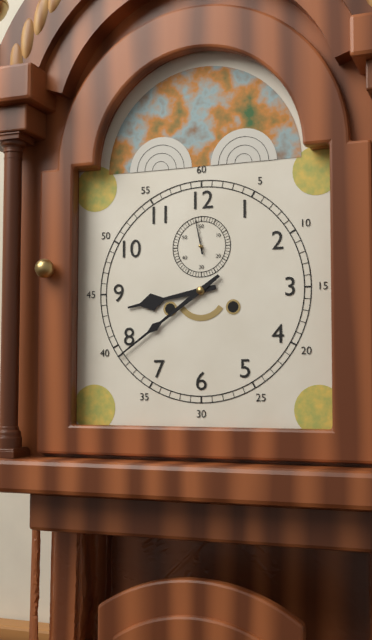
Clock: 8 h 39 min
